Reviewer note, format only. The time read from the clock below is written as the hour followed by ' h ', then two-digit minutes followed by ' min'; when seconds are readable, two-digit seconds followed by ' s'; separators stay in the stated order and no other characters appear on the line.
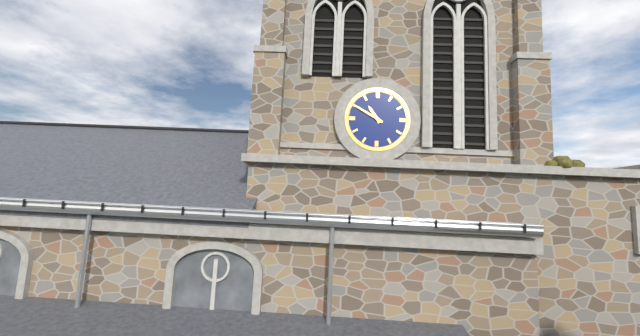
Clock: 10 h 50 min
